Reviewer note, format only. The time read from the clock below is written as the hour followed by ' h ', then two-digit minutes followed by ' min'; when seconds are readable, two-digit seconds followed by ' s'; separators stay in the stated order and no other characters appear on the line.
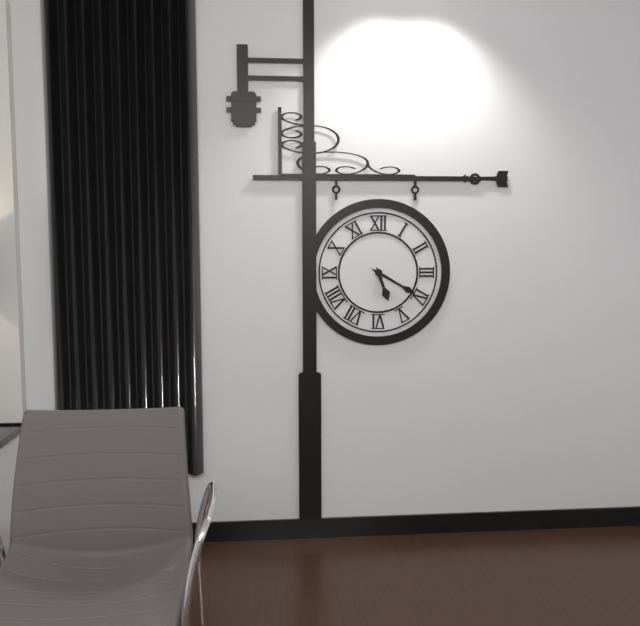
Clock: 5 h 20 min
